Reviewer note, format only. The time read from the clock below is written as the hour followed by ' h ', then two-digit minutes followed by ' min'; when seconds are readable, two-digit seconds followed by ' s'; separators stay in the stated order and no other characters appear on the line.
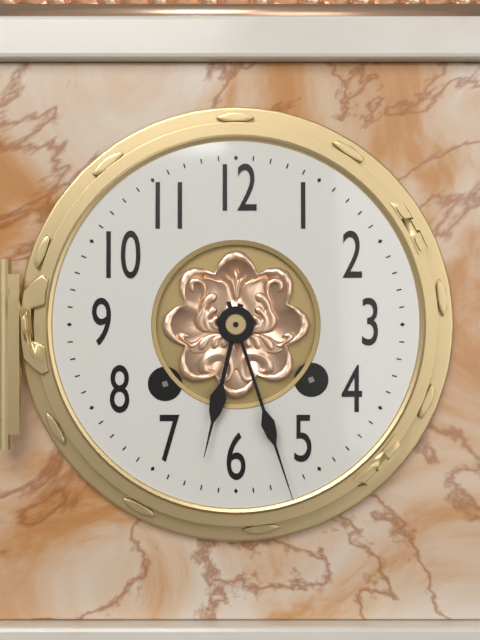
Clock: 6 h 27 min
